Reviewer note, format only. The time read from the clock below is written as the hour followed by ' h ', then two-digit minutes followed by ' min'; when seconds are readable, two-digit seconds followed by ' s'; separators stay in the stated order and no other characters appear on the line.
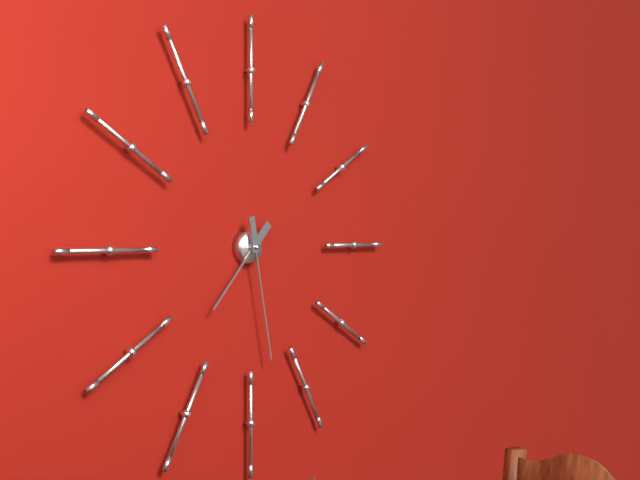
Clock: 7 h 28 min
